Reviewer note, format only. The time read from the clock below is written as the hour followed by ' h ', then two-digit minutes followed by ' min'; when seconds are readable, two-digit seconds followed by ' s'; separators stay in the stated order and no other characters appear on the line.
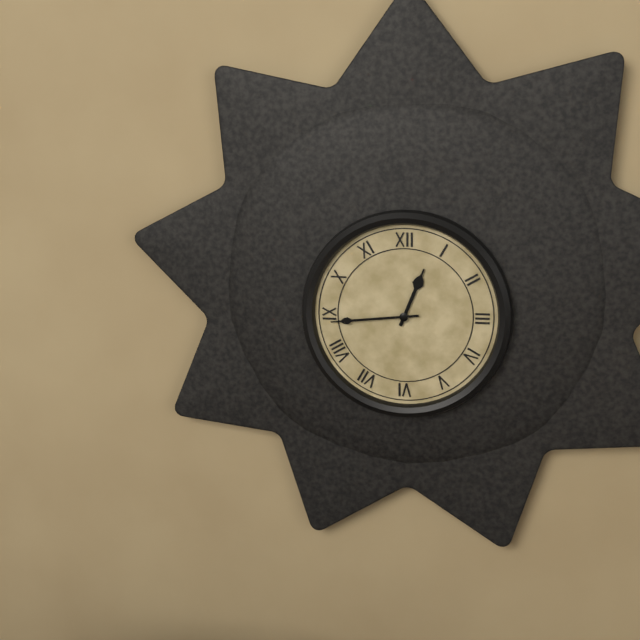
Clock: 12 h 44 min
